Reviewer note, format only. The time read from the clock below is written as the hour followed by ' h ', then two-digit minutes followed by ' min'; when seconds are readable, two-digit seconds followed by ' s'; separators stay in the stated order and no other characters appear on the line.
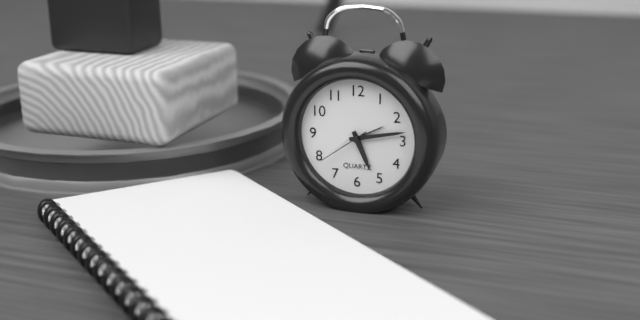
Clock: 5 h 13 min 39 s
